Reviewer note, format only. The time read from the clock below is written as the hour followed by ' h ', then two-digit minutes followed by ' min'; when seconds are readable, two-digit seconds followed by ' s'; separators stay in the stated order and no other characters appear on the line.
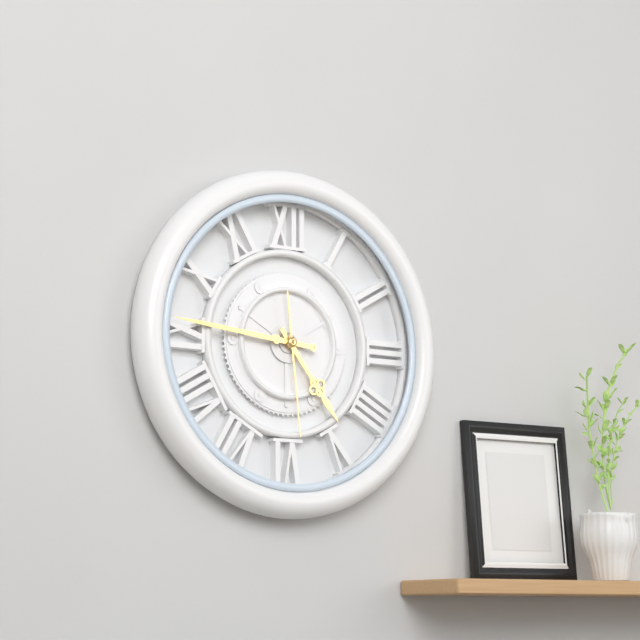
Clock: 4 h 46 min 29 s
